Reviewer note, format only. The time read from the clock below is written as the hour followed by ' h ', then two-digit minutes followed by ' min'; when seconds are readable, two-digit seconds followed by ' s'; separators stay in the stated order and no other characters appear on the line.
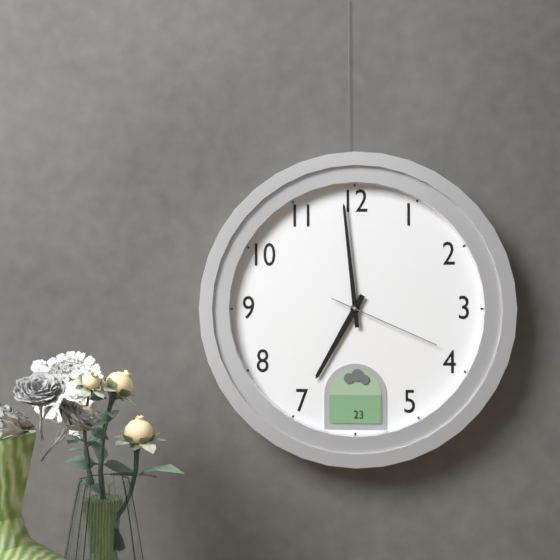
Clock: 6 h 59 min 19 s
